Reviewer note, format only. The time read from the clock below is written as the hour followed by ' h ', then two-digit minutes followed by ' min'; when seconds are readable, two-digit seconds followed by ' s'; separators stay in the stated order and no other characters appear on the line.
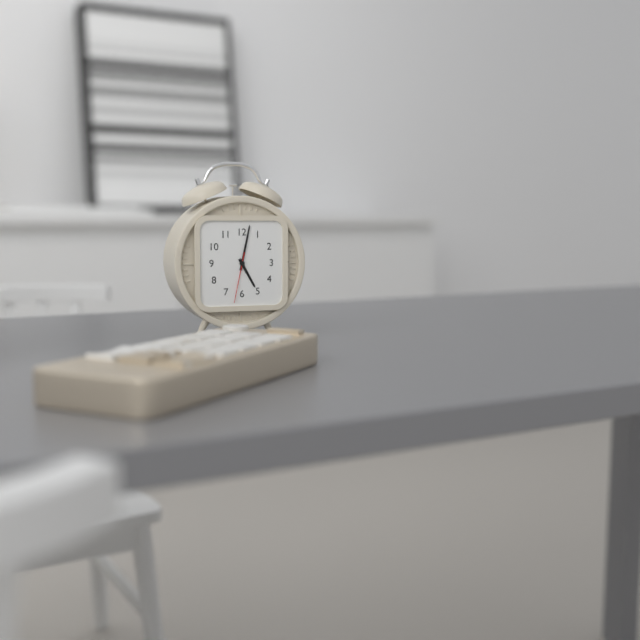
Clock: 5 h 02 min 32 s
